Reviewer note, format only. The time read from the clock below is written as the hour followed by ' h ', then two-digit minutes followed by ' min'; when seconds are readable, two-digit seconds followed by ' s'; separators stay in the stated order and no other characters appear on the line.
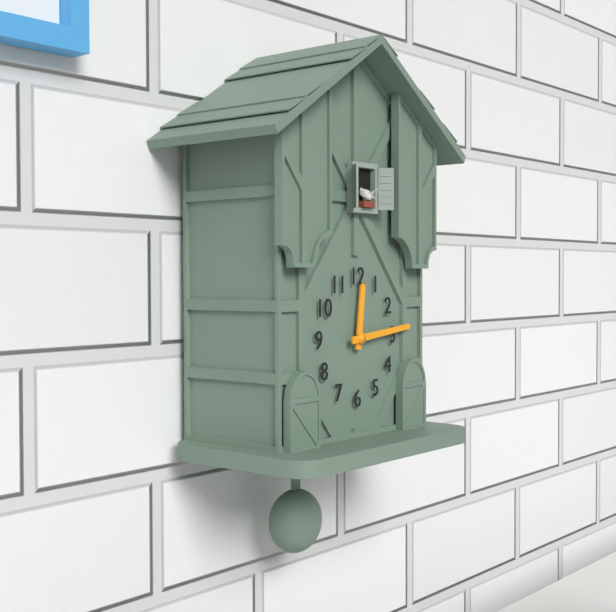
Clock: 12 h 14 min
